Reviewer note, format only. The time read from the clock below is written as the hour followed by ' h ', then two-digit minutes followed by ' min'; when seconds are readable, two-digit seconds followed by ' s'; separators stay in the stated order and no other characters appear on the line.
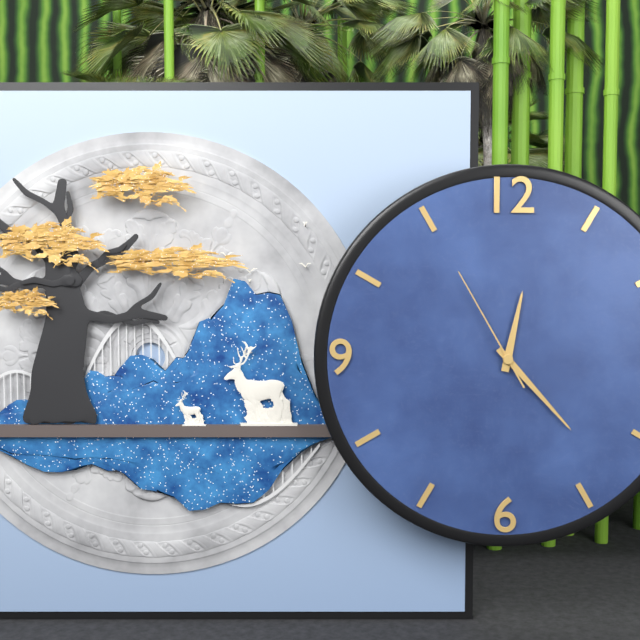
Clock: 12 h 23 min 55 s
